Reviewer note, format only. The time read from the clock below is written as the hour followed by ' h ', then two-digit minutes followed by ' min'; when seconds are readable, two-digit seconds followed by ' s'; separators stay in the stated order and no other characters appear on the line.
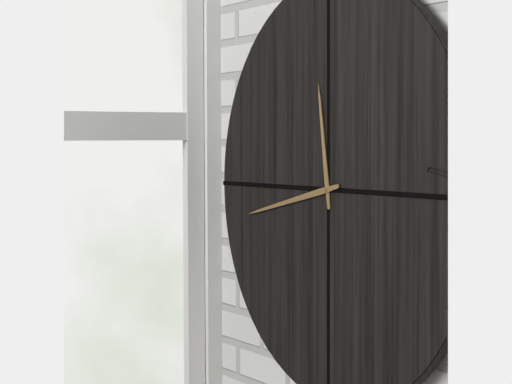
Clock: 11 h 43 min
